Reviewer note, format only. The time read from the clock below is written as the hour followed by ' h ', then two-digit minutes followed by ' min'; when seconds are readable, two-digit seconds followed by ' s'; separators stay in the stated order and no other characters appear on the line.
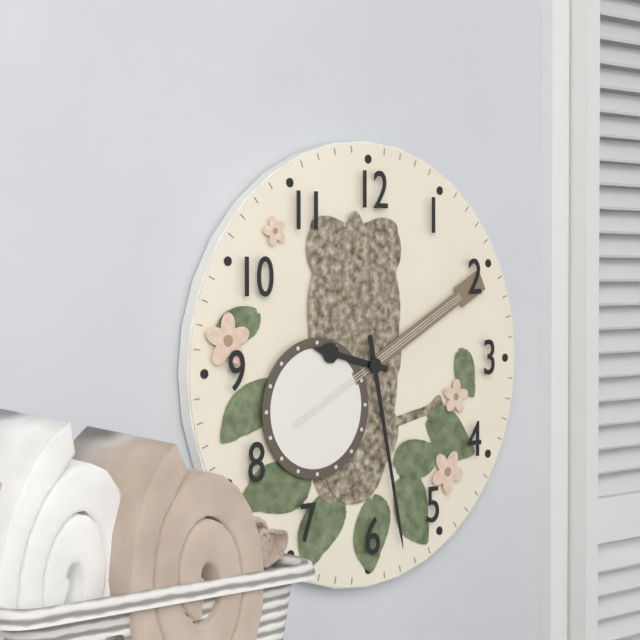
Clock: 9 h 28 min
